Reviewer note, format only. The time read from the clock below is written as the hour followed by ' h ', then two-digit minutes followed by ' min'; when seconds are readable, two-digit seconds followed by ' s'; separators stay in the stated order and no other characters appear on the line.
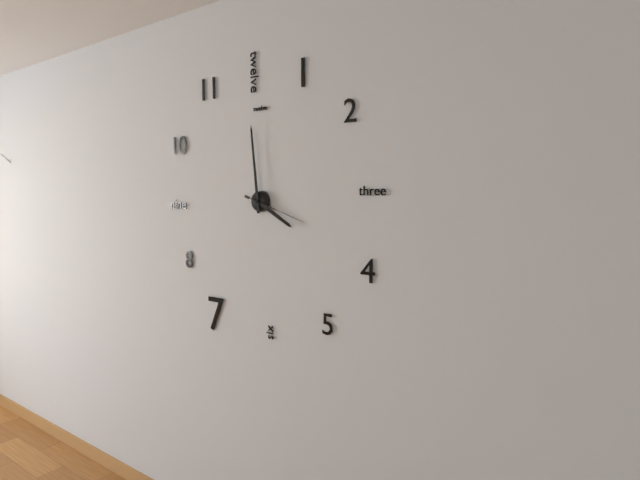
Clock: 3 h 59 min 18 s
